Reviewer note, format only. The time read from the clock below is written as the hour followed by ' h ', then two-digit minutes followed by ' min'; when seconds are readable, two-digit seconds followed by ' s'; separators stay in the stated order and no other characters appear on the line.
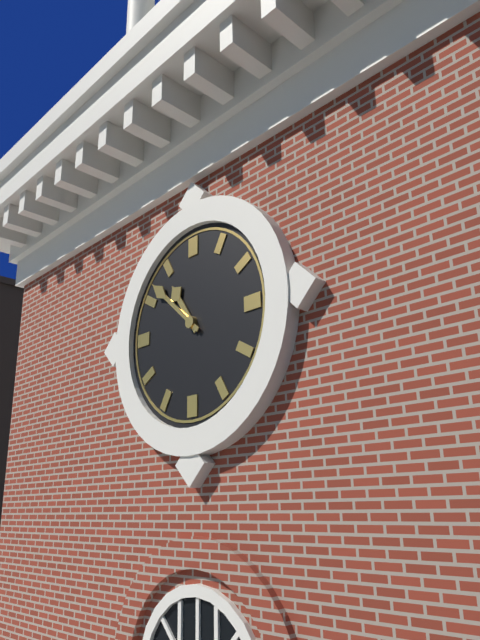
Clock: 10 h 52 min
